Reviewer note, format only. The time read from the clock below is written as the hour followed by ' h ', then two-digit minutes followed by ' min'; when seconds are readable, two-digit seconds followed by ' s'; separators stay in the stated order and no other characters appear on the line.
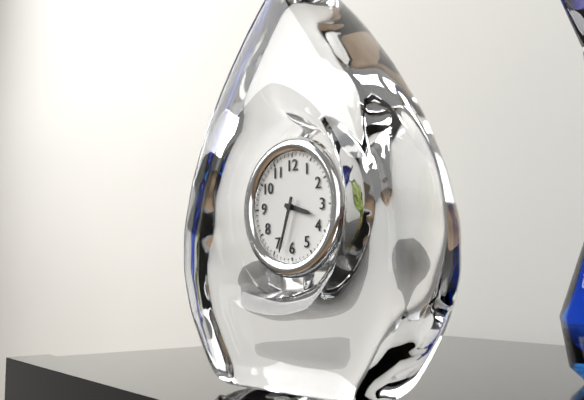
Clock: 3 h 33 min
